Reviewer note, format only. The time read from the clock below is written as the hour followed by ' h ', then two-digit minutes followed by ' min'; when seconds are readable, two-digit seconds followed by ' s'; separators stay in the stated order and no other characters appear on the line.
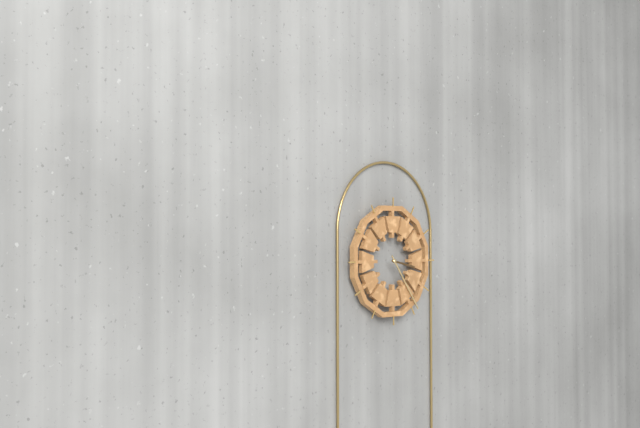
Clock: 3 h 24 min
